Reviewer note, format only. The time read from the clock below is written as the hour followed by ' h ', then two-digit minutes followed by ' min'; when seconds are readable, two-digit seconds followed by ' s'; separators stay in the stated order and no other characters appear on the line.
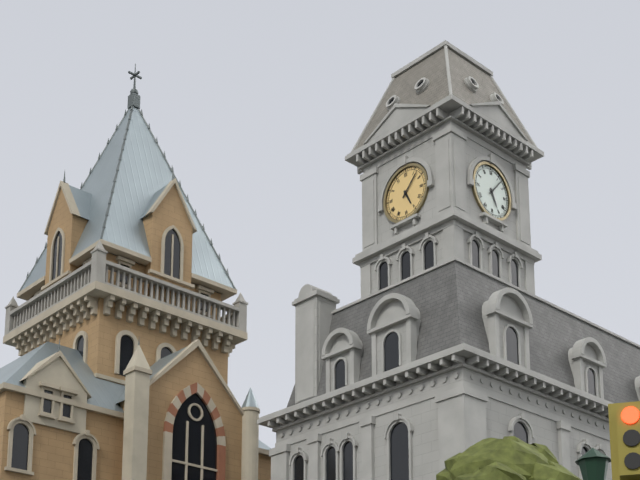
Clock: 5 h 07 min
